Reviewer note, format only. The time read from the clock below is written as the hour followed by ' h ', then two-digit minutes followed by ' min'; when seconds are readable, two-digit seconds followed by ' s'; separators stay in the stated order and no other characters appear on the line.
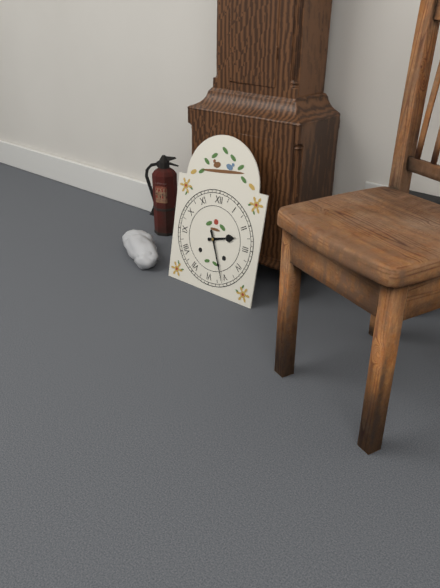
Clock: 2 h 26 min
